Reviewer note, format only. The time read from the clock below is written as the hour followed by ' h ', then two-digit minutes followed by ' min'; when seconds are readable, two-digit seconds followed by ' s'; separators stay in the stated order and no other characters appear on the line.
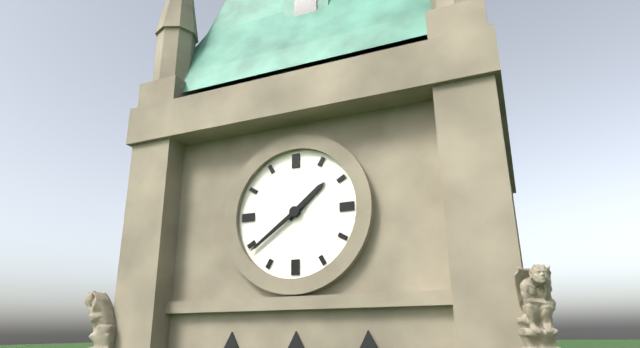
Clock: 1 h 39 min
